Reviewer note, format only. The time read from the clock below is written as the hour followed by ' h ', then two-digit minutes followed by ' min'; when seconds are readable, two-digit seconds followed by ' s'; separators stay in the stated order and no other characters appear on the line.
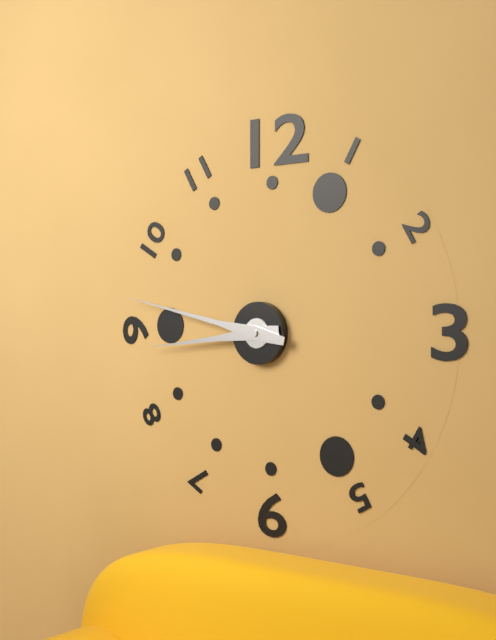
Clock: 8 h 47 min
